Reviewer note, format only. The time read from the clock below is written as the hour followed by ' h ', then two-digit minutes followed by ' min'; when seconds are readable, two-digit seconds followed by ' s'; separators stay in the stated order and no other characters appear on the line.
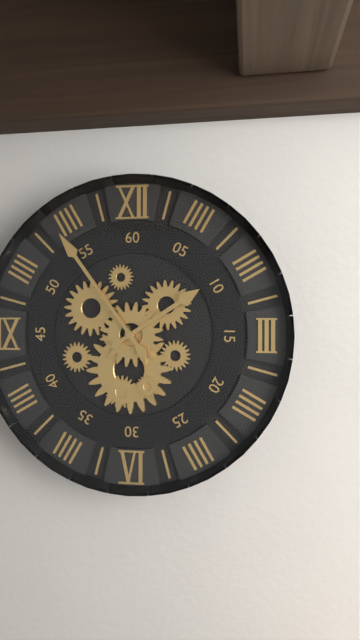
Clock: 1 h 54 min
